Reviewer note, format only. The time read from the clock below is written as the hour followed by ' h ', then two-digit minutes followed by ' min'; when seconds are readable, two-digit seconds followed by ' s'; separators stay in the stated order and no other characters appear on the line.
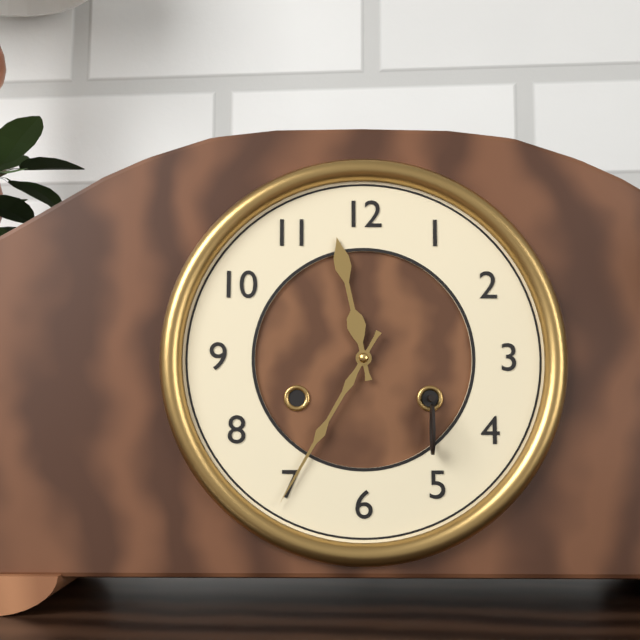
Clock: 11 h 35 min
